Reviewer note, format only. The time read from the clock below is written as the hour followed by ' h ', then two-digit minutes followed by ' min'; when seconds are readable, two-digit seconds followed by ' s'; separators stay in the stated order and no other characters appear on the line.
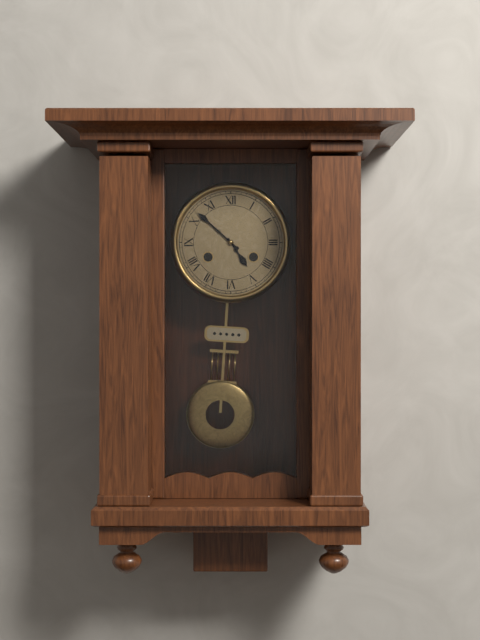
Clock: 4 h 52 min
